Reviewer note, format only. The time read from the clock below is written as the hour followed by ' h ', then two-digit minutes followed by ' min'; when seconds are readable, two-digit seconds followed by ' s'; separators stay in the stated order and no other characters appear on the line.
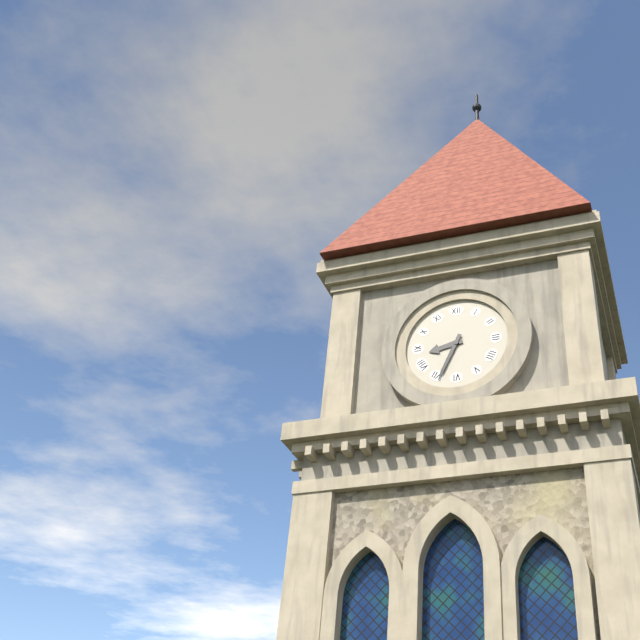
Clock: 8 h 34 min
